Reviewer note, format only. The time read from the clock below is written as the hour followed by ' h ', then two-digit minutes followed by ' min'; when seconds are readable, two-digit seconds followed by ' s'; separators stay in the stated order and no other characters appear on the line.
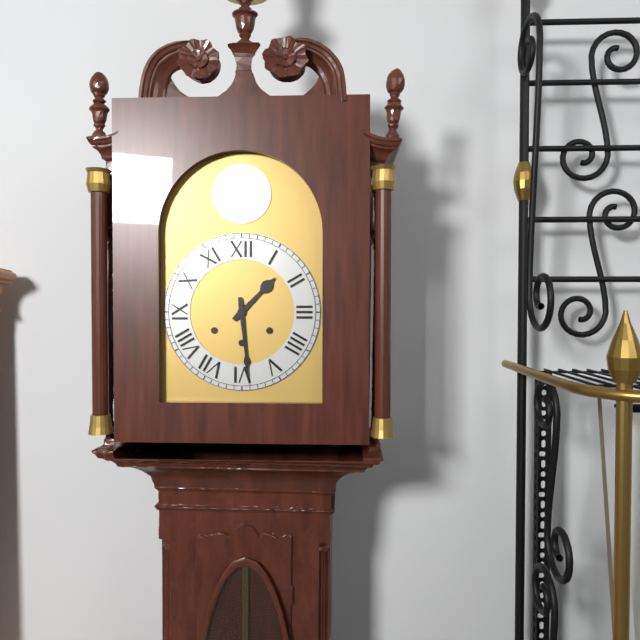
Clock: 1 h 29 min
